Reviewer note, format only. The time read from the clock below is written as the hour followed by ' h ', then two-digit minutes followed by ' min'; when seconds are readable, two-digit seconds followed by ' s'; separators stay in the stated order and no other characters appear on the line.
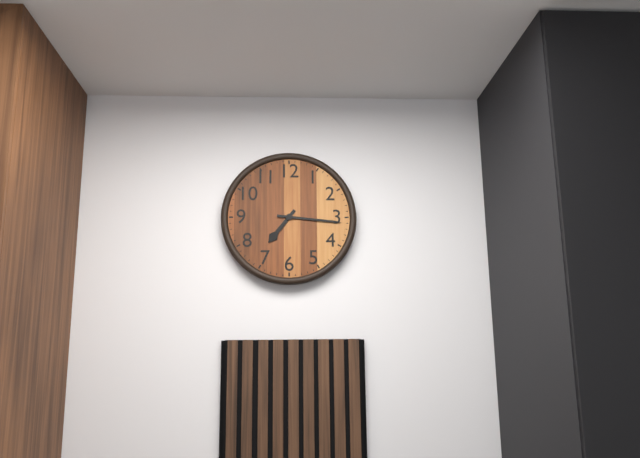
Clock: 7 h 16 min
